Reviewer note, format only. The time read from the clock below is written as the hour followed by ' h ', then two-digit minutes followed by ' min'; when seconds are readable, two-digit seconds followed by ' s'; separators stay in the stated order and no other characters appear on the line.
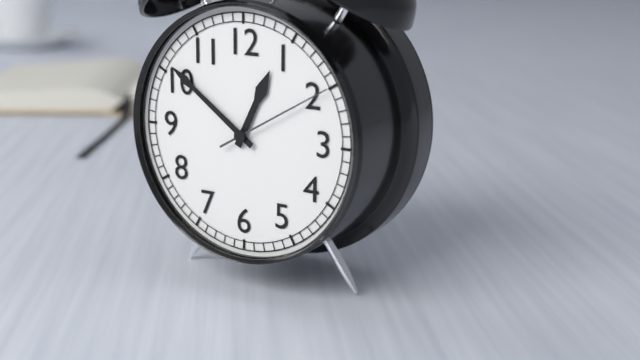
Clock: 12 h 51 min 10 s
